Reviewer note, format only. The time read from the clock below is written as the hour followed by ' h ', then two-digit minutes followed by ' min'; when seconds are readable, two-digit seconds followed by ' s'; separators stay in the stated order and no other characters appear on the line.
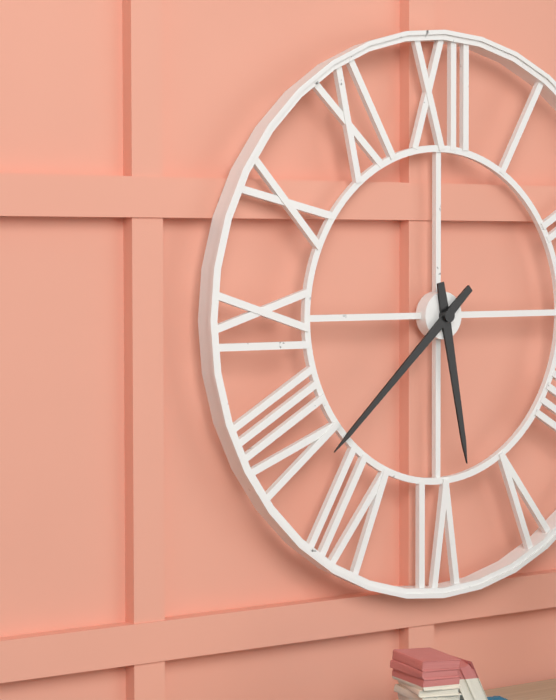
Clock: 5 h 38 min
